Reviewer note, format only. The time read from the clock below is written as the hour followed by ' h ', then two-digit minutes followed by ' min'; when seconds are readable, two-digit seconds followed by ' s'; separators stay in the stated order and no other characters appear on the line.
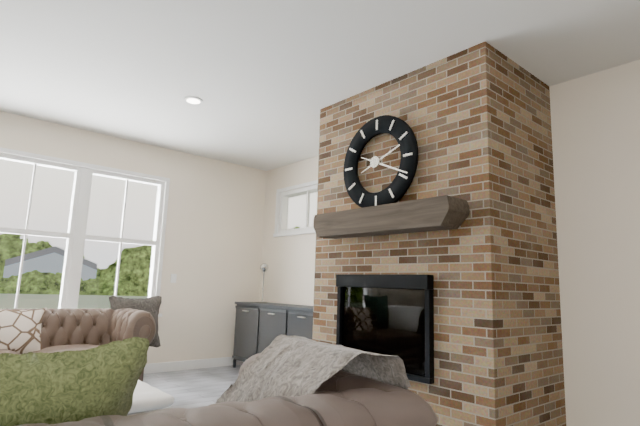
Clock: 2 h 19 min
